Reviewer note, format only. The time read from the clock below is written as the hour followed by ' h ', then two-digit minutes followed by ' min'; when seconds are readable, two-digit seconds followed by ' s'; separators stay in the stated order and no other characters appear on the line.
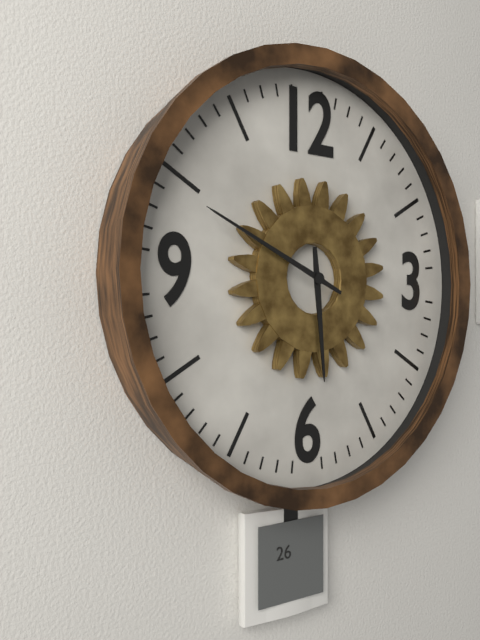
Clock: 5 h 49 min
